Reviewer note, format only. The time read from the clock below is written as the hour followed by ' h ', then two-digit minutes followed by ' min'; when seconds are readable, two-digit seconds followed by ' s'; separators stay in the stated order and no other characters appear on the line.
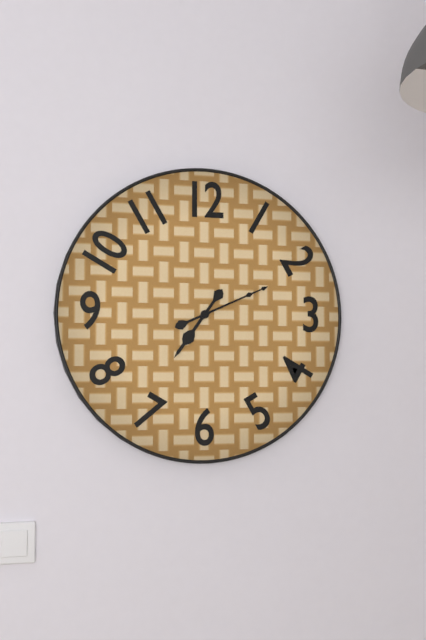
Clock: 7 h 11 min
